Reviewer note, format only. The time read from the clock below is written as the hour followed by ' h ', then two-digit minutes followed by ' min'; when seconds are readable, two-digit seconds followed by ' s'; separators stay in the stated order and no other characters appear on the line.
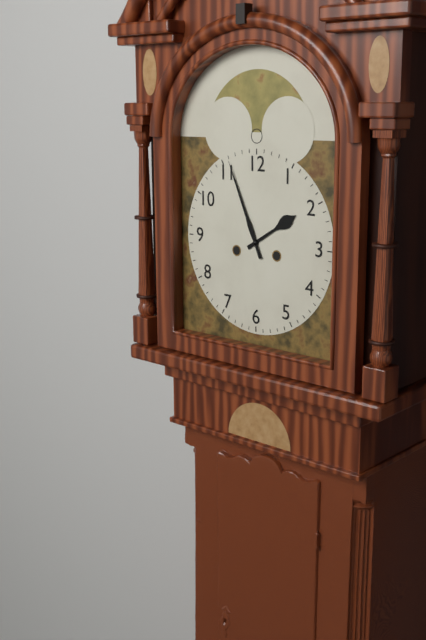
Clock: 1 h 56 min
